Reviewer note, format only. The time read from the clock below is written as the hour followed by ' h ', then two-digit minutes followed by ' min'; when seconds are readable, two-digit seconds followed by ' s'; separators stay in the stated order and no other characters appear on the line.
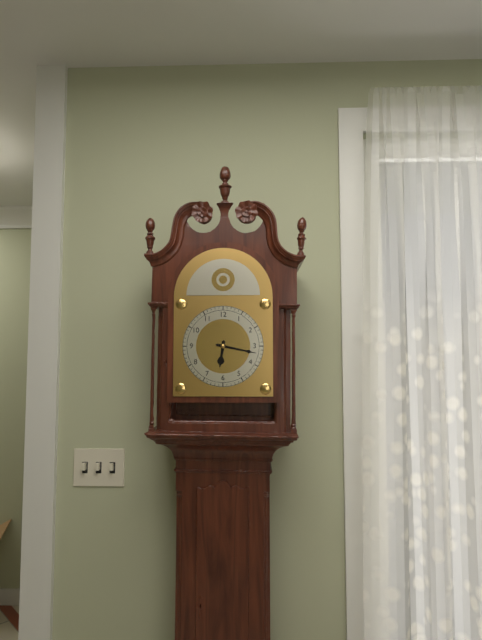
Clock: 6 h 17 min
